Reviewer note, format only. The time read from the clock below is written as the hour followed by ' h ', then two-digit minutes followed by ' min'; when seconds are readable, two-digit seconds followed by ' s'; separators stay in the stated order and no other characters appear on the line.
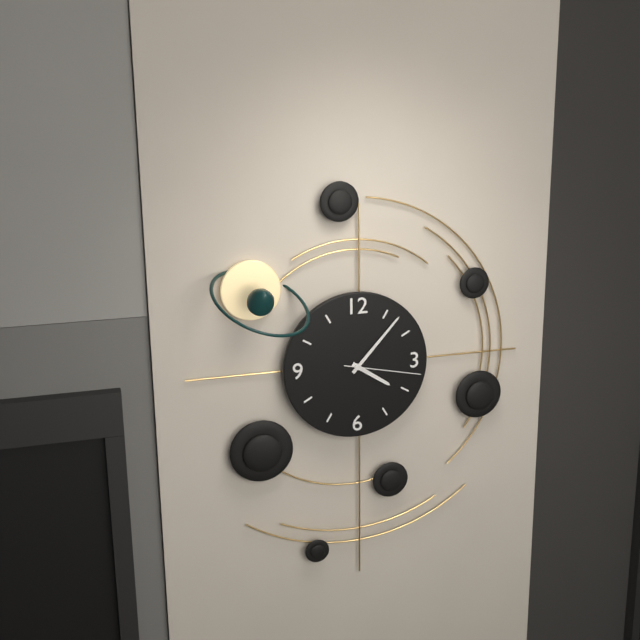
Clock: 4 h 07 min 17 s
